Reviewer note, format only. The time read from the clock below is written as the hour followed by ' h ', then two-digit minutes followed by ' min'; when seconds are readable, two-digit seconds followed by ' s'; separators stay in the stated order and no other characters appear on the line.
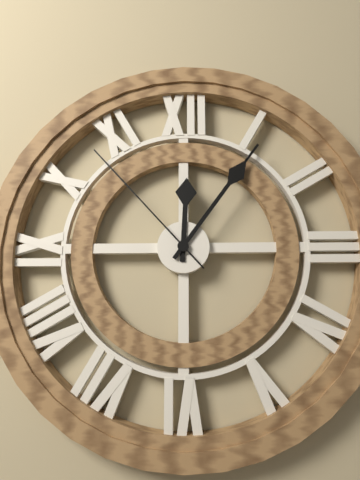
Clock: 12 h 06 min 53 s
